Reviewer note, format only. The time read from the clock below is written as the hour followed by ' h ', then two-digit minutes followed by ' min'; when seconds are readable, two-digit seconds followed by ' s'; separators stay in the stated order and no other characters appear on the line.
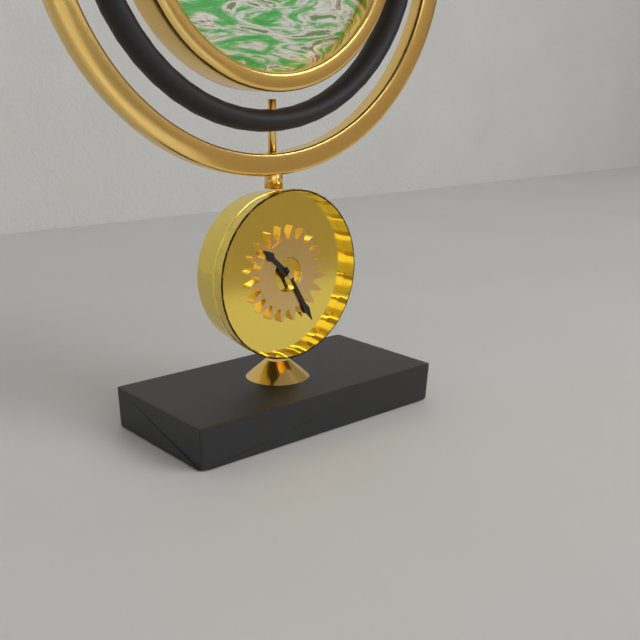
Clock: 10 h 25 min
